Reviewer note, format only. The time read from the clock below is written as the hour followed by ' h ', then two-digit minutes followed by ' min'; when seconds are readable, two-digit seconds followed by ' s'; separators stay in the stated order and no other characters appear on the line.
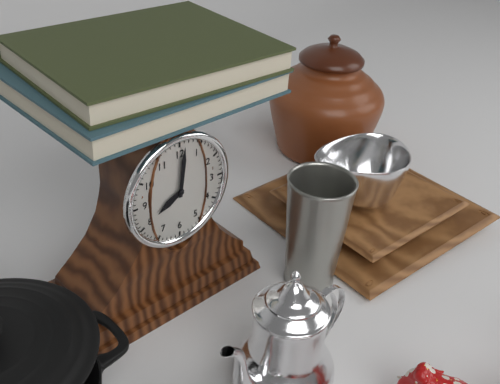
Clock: 8 h 01 min
